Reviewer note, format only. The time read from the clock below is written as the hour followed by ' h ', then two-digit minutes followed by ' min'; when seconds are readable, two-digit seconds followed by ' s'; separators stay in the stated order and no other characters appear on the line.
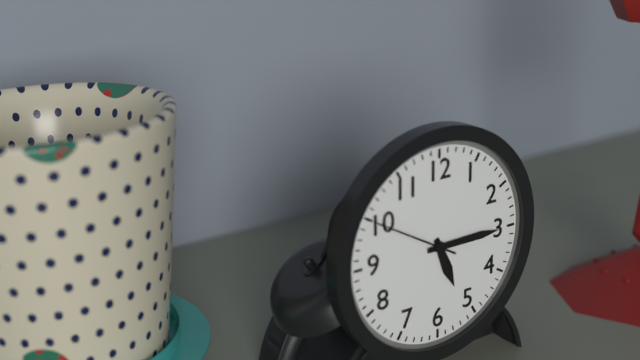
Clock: 5 h 15 min
